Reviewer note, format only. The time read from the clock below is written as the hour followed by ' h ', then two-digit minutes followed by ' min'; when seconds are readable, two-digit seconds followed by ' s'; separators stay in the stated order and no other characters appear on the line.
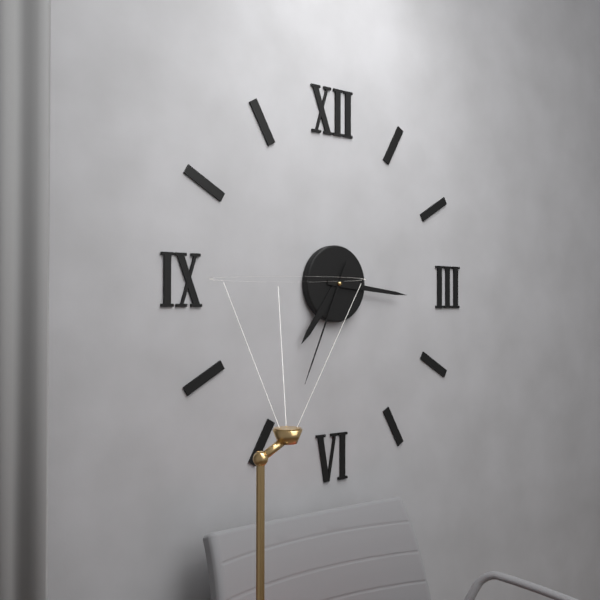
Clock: 7 h 16 min 34 s
